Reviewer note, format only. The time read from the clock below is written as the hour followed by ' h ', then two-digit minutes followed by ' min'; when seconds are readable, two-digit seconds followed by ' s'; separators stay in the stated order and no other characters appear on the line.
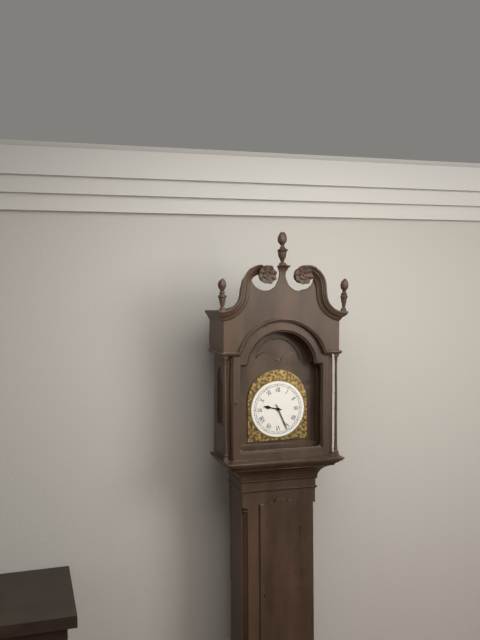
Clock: 9 h 26 min
